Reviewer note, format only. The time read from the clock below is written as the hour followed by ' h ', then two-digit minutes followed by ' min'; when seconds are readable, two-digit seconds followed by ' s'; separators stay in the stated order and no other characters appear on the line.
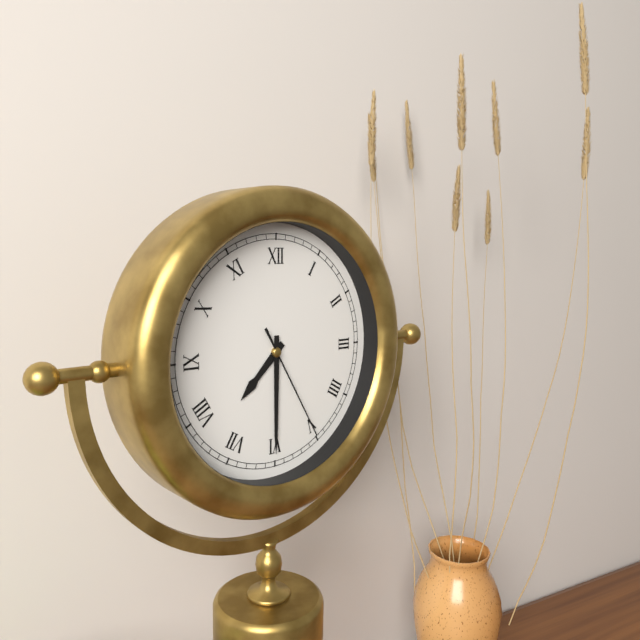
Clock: 7 h 30 min 25 s
